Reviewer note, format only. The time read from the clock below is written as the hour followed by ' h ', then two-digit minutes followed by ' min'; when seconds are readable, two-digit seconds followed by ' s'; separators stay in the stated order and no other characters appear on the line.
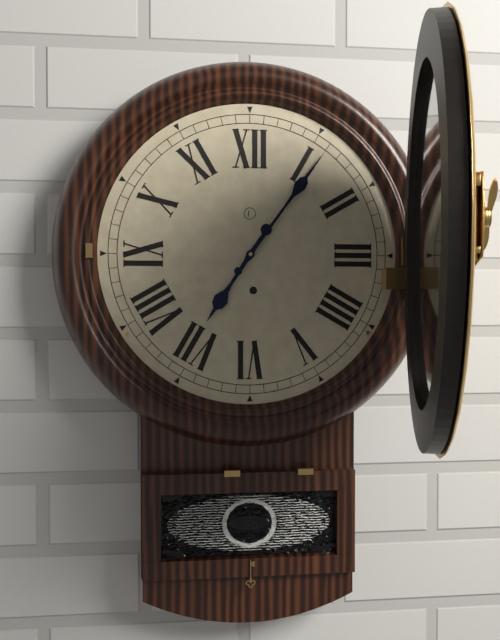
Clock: 7 h 06 min
